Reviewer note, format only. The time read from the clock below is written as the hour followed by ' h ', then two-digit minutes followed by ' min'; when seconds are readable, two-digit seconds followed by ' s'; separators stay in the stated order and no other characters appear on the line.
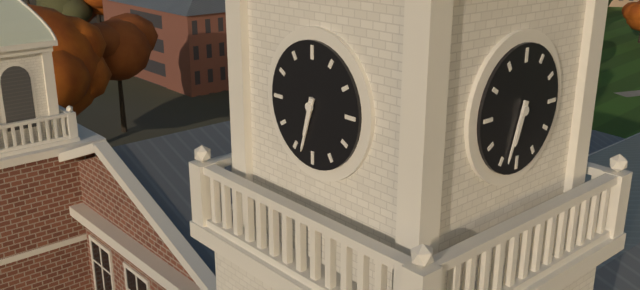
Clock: 6 h 33 min
